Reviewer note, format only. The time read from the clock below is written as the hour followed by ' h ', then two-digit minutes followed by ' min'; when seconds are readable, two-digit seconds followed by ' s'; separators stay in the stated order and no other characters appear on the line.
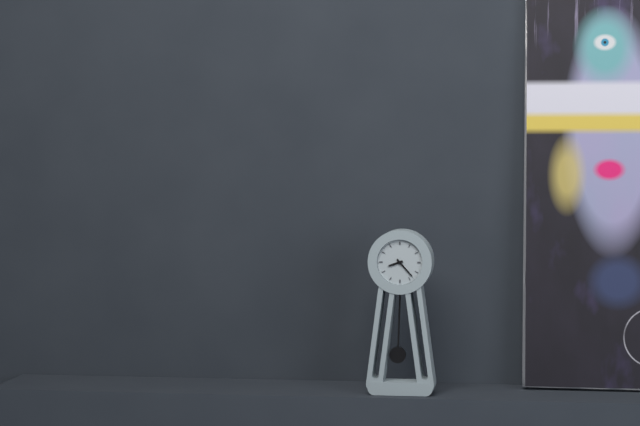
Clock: 8 h 23 min
